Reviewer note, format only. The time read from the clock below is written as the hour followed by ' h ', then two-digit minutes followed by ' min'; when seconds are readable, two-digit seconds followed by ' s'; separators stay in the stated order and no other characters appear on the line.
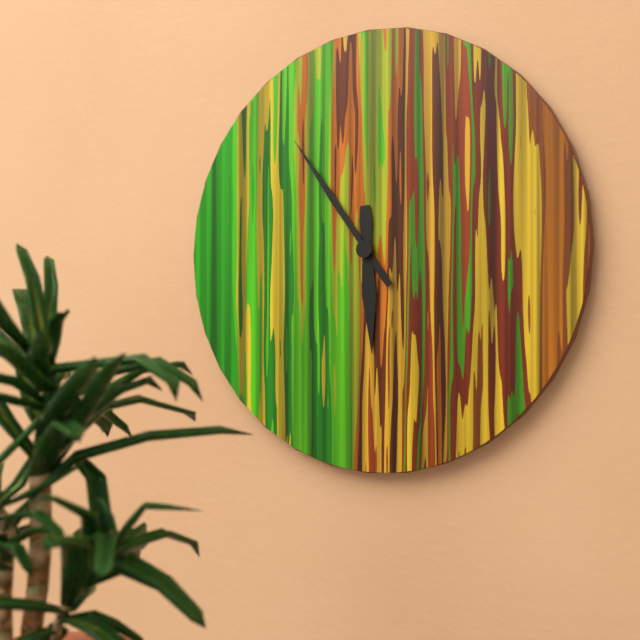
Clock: 5 h 54 min
